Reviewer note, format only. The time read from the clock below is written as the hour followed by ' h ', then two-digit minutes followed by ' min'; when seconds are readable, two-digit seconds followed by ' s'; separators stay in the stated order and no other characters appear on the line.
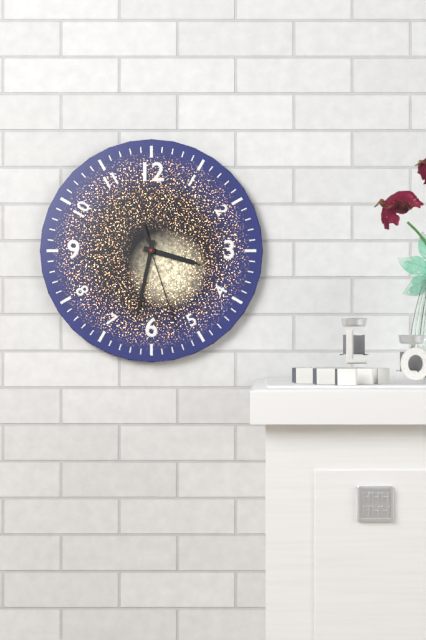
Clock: 3 h 32 min 27 s
